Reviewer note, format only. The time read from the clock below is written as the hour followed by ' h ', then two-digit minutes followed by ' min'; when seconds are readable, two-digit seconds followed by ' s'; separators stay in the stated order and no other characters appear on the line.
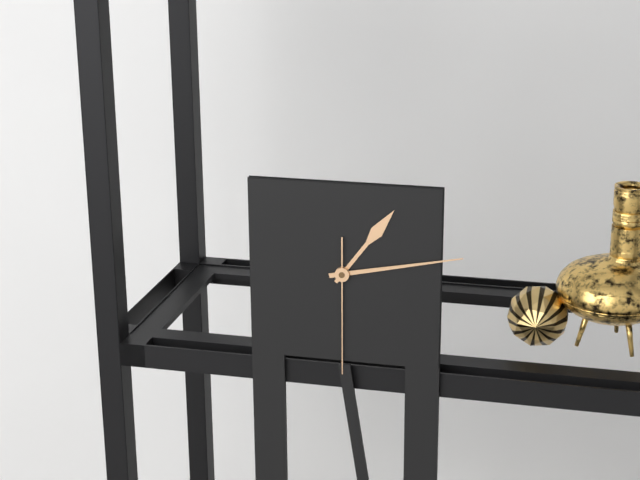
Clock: 1 h 13 min 30 s
